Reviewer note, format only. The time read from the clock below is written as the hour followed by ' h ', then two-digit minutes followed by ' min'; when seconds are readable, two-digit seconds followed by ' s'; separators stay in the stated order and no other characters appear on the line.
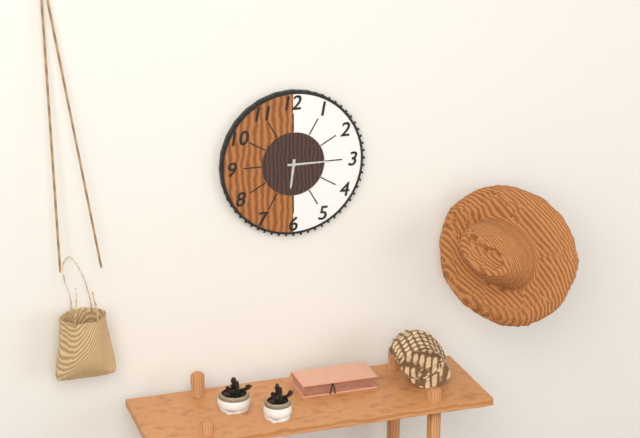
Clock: 6 h 15 min
